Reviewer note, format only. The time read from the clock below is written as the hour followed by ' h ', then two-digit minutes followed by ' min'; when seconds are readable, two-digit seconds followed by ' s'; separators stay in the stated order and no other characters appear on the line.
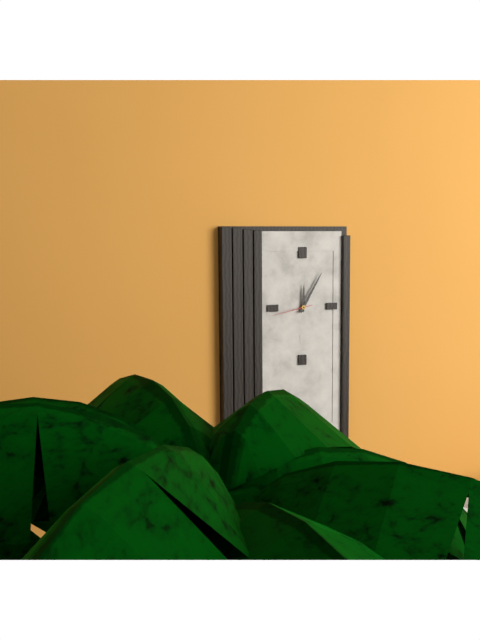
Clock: 12 h 05 min
